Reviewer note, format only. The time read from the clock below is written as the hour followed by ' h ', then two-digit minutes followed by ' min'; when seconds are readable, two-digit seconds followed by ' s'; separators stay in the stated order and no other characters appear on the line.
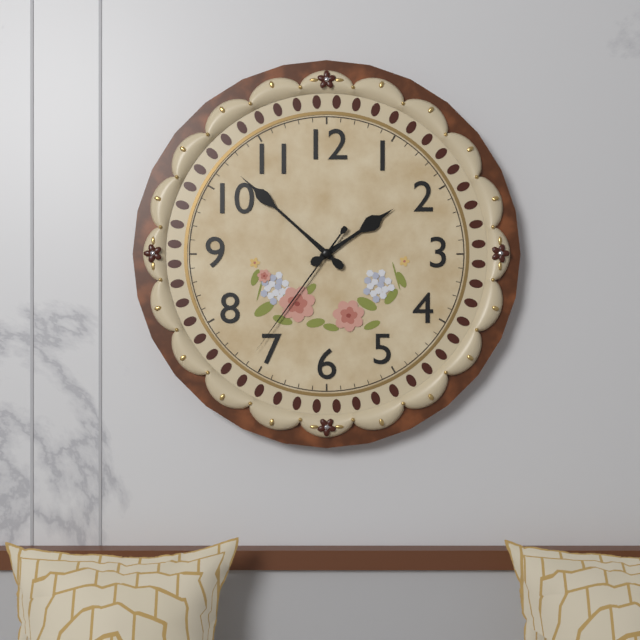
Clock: 1 h 52 min 36 s
